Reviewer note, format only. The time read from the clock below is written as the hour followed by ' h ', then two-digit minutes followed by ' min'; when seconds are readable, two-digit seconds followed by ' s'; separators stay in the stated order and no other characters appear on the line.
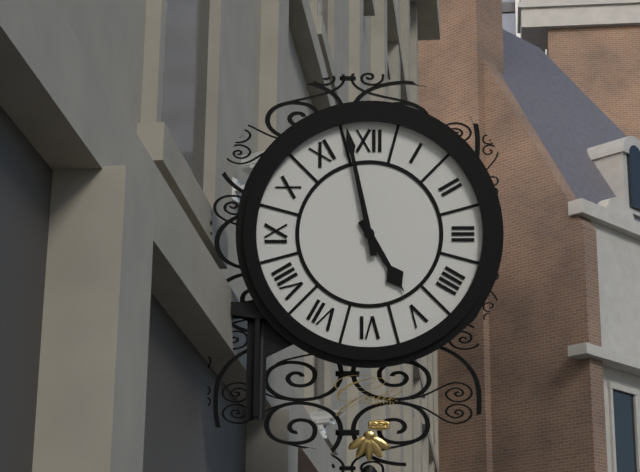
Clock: 4 h 58 min
